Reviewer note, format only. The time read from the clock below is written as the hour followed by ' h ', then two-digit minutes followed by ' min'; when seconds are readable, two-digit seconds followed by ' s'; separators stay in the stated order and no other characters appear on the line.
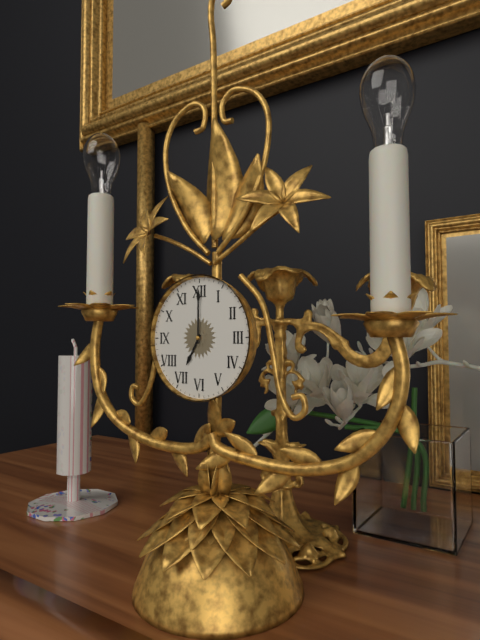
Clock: 7 h 00 min
